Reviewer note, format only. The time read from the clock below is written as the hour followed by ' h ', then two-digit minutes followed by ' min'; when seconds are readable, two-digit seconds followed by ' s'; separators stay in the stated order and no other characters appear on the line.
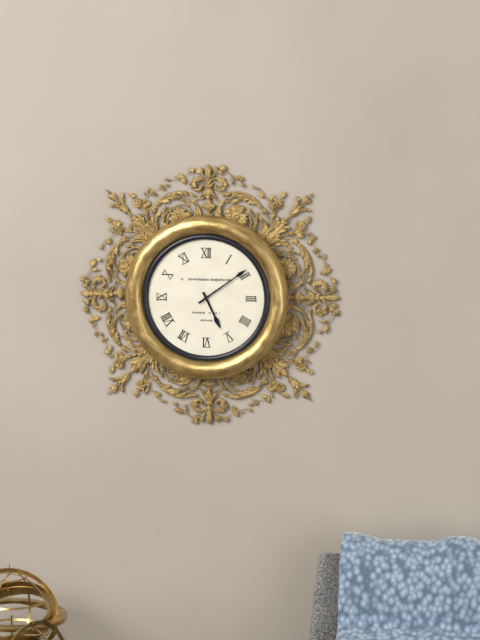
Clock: 5 h 09 min
